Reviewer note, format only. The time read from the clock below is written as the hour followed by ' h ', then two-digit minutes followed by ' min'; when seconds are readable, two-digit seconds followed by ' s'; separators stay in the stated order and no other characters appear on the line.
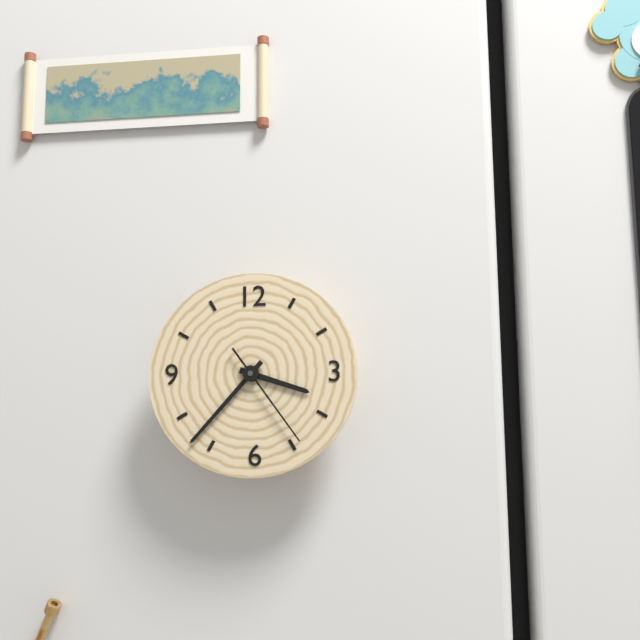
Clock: 3 h 37 min 24 s
